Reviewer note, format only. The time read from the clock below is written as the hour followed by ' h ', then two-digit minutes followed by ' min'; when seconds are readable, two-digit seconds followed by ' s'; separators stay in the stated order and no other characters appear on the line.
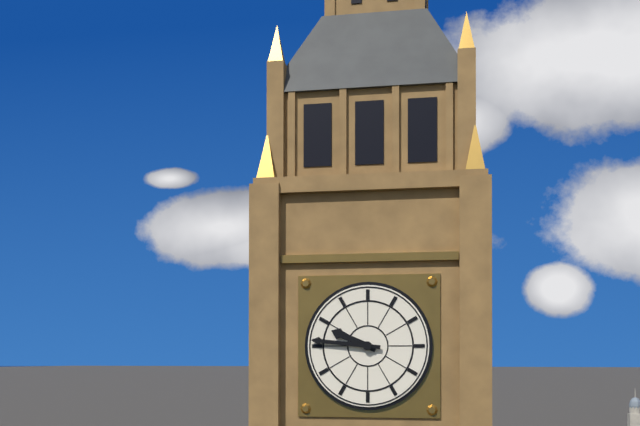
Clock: 9 h 46 min
